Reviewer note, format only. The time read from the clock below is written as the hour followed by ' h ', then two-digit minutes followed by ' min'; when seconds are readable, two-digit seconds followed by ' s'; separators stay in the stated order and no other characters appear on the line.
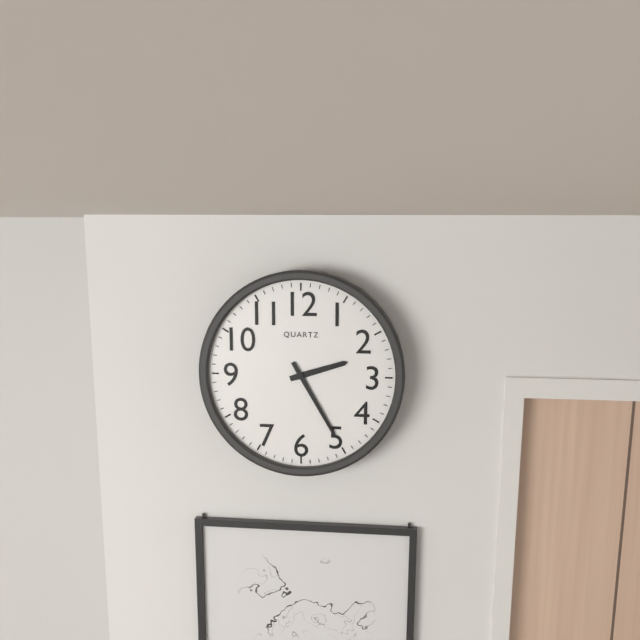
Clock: 2 h 25 min
